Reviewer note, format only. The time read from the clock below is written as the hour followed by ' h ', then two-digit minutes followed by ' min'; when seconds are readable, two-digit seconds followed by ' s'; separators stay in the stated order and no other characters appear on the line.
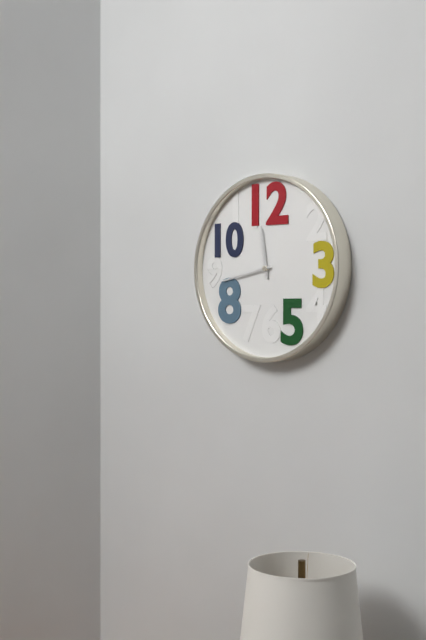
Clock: 11 h 43 min
